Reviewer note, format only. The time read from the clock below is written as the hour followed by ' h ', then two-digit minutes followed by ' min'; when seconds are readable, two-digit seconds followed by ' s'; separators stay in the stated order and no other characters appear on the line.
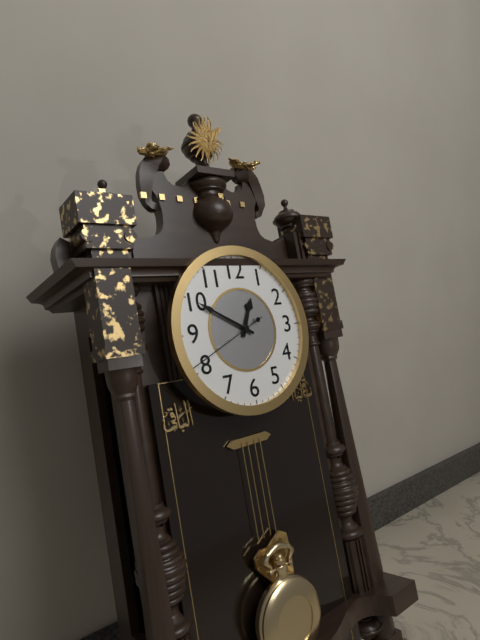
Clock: 12 h 50 min 41 s
